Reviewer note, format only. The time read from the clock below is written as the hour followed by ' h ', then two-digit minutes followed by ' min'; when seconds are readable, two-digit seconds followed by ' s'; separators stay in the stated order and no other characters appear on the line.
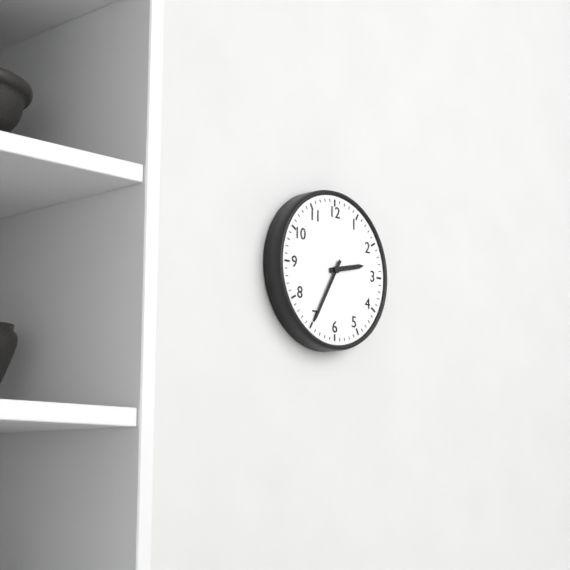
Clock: 2 h 35 min
